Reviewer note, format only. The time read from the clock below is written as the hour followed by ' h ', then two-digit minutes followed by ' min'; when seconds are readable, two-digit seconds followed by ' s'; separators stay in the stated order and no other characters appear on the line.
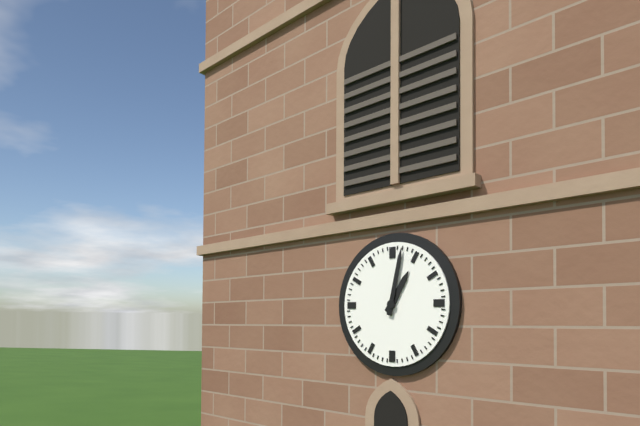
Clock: 1 h 02 min
